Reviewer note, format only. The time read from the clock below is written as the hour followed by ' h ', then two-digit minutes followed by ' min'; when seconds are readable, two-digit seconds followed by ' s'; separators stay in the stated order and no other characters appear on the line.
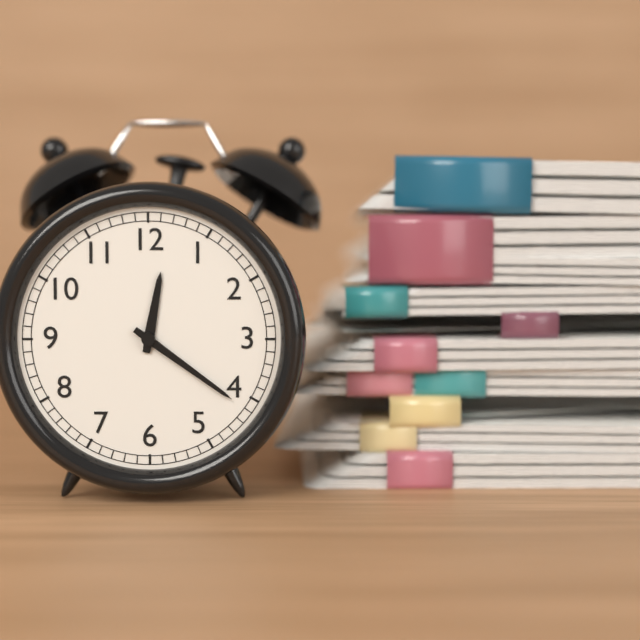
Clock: 12 h 21 min
